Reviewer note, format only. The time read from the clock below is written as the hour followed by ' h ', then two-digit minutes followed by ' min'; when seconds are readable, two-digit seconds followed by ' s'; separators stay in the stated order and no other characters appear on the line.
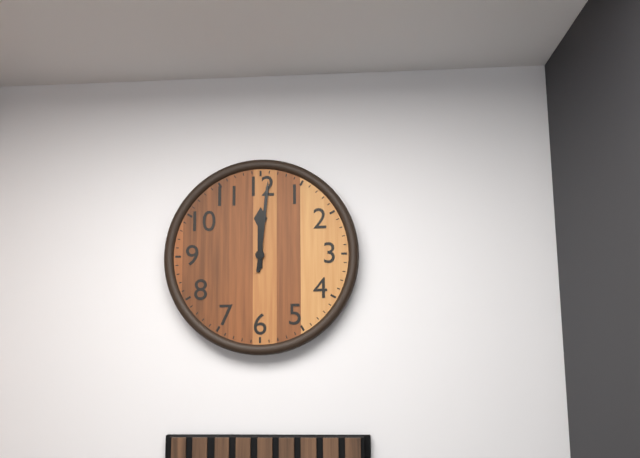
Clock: 12 h 01 min
